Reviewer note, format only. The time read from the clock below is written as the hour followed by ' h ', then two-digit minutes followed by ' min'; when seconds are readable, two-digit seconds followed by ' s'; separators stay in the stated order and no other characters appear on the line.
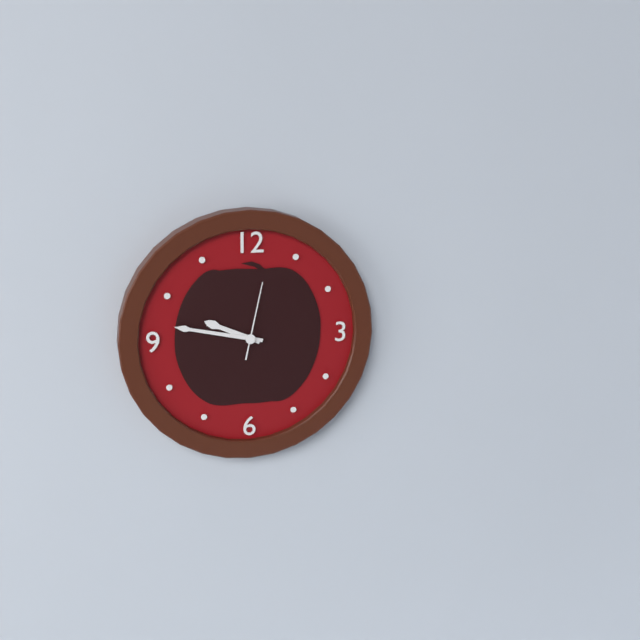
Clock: 9 h 47 min 02 s
